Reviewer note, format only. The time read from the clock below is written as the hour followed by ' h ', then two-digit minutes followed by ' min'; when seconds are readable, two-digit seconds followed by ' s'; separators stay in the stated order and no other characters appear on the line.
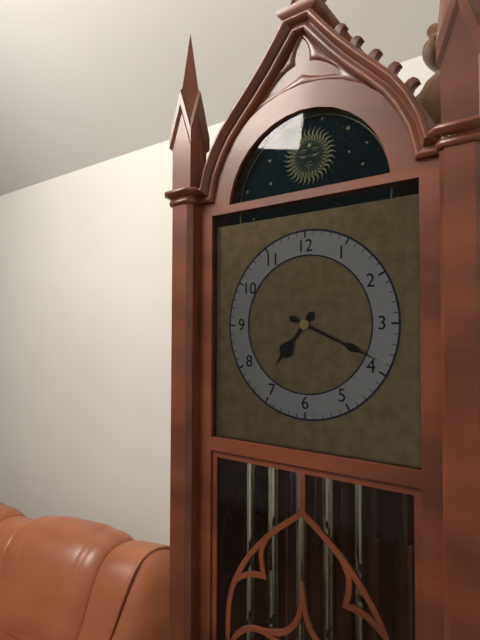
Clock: 7 h 19 min
